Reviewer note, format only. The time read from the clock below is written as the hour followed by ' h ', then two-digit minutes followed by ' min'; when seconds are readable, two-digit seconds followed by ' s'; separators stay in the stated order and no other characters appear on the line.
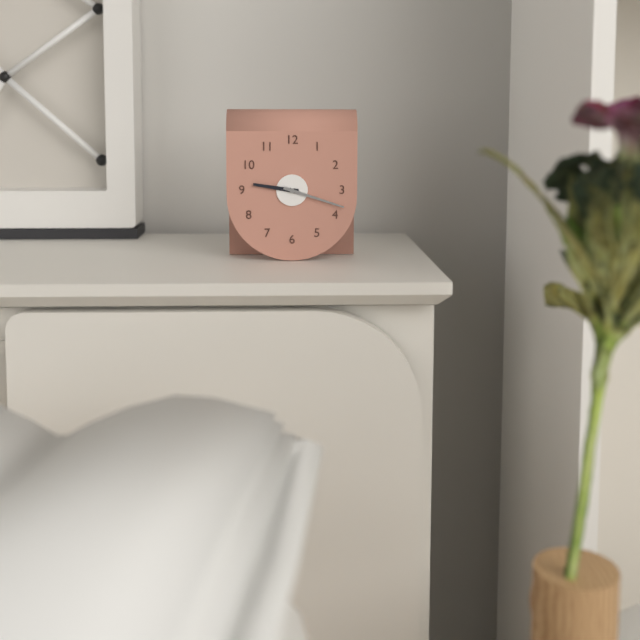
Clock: 9 h 18 min
